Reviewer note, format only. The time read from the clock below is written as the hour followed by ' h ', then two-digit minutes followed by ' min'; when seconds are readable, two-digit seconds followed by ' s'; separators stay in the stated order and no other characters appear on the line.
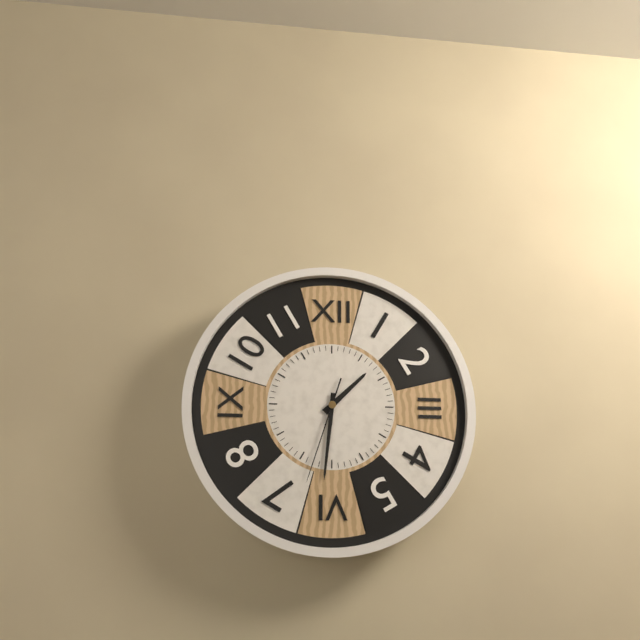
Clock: 1 h 31 min 33 s
